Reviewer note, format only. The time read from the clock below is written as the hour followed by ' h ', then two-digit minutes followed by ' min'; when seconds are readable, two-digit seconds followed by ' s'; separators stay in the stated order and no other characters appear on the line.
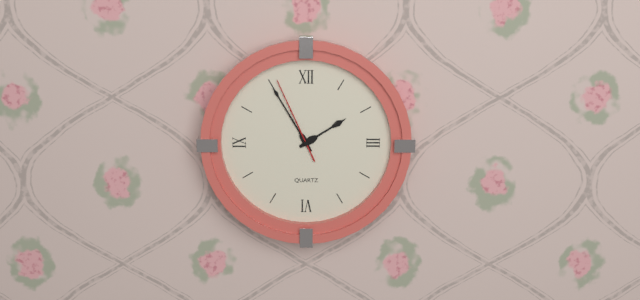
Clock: 1 h 55 min 56 s
